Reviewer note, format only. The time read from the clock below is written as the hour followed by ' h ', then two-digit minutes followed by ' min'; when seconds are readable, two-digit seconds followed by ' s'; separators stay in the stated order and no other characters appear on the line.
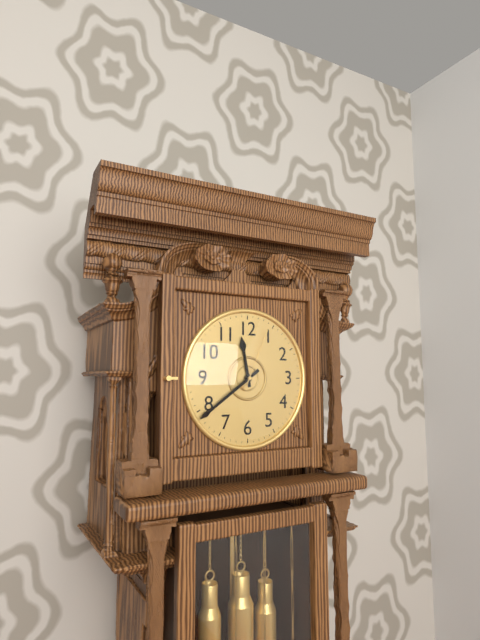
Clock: 11 h 39 min 04 s
